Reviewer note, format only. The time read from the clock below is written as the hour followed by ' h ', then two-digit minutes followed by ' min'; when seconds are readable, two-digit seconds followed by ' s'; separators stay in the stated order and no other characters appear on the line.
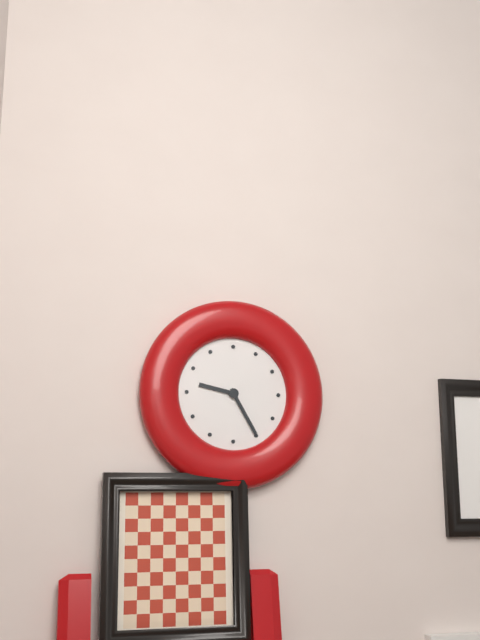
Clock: 9 h 25 min
